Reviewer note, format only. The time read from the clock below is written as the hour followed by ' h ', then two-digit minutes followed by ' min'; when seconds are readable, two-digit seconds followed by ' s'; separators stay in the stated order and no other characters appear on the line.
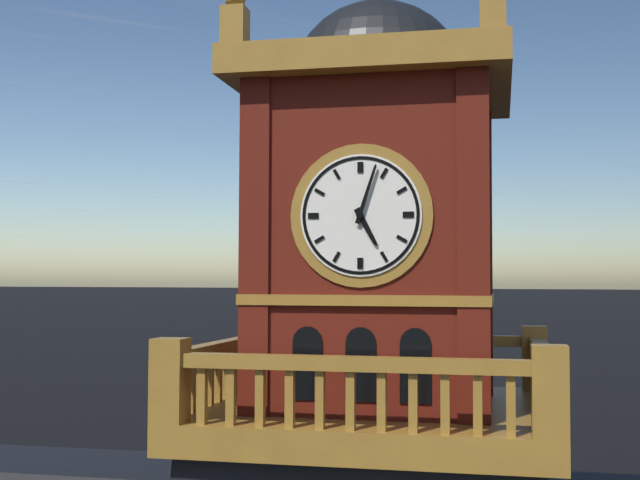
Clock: 5 h 03 min
